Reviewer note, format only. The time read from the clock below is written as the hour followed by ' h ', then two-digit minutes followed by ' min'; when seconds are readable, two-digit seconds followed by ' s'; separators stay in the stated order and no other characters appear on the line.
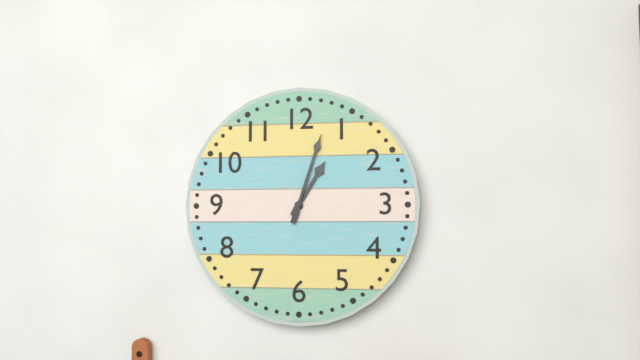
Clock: 1 h 03 min
